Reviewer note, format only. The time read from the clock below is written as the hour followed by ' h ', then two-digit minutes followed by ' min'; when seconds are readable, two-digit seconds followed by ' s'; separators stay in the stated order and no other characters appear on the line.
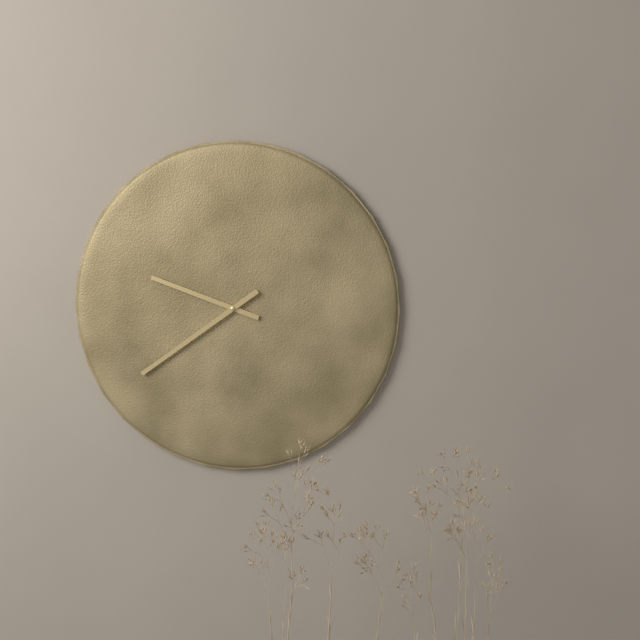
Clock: 9 h 39 min
